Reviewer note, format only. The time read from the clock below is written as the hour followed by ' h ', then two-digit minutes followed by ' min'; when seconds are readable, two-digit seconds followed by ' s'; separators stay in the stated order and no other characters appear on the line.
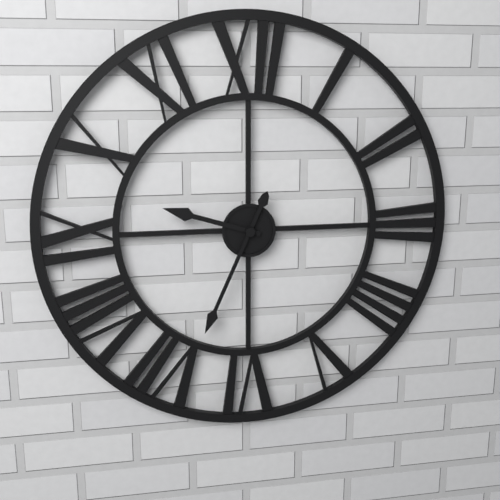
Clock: 9 h 34 min
